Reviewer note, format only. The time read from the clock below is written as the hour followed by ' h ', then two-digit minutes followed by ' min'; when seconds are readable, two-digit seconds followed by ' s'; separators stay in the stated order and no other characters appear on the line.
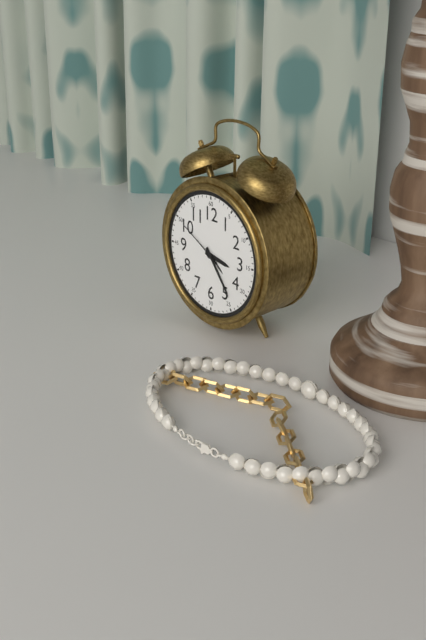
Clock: 3 h 24 min
